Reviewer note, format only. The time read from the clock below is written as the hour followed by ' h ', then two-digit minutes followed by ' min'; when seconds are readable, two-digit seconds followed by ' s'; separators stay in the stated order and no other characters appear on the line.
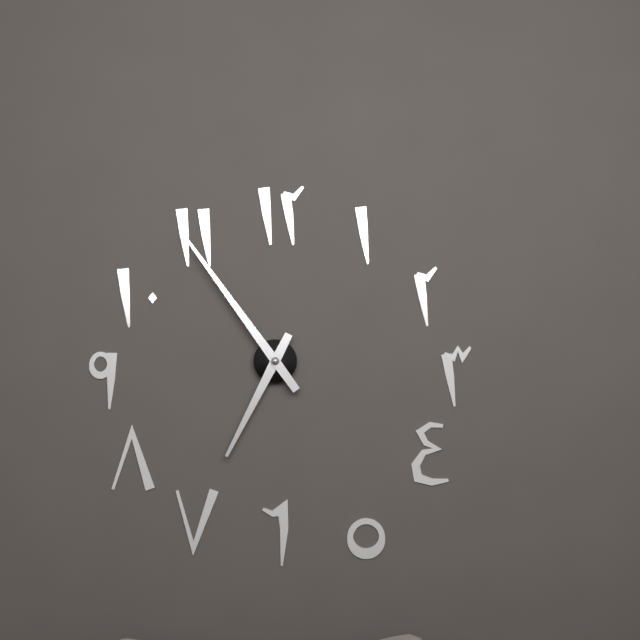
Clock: 6 h 54 min
